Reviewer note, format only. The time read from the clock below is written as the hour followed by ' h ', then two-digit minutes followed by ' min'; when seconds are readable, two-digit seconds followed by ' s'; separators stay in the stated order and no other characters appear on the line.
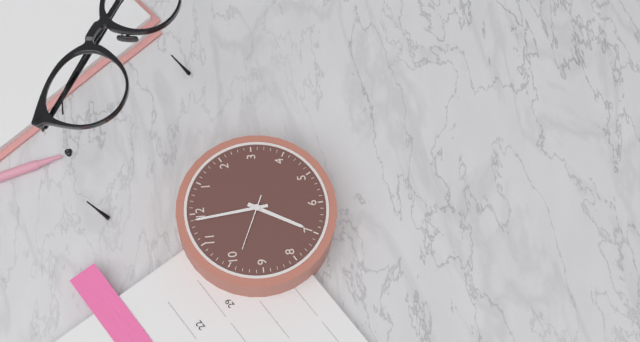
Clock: 6 h 59 min
